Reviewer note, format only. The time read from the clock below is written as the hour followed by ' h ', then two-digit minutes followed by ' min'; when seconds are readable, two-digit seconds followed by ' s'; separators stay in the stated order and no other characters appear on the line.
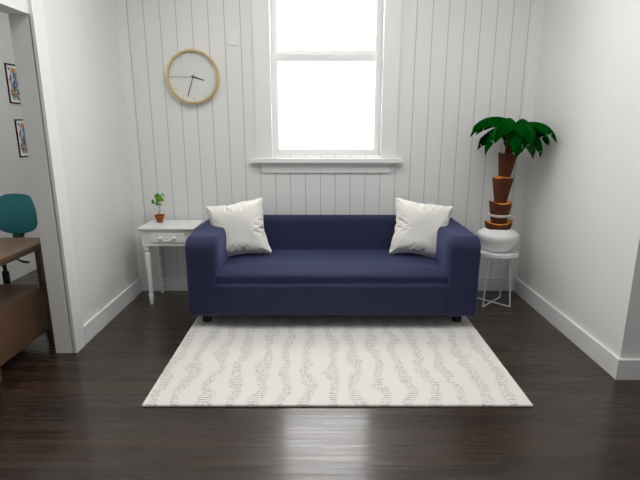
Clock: 3 h 33 min
